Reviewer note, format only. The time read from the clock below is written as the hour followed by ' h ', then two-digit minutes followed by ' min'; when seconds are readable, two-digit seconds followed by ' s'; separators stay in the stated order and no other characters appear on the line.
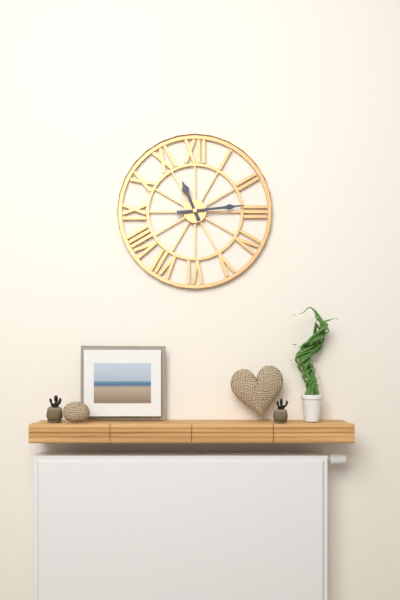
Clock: 11 h 14 min
